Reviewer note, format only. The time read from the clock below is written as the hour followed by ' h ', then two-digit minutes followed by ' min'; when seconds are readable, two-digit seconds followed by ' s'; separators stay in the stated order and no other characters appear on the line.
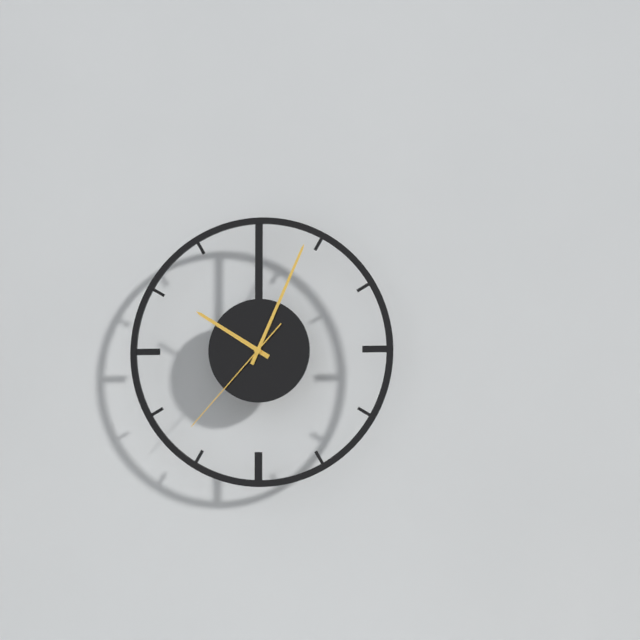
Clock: 10 h 04 min 37 s
